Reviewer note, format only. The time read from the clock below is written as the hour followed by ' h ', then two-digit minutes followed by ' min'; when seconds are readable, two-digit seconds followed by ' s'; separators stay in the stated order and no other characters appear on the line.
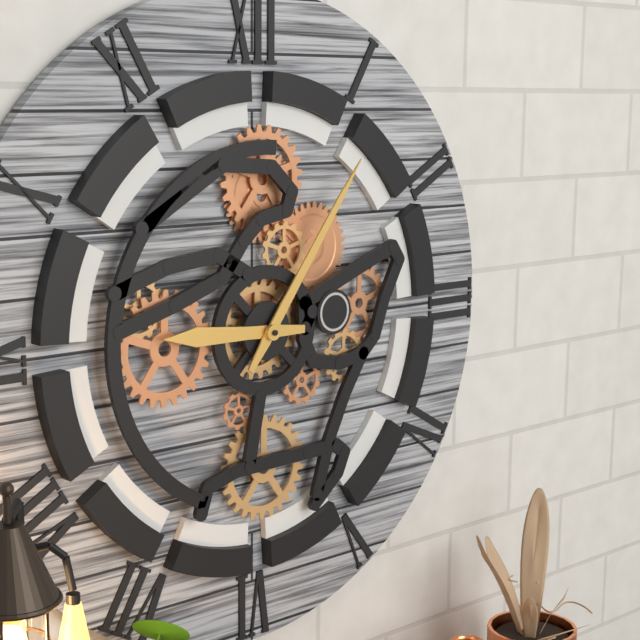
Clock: 9 h 06 min
